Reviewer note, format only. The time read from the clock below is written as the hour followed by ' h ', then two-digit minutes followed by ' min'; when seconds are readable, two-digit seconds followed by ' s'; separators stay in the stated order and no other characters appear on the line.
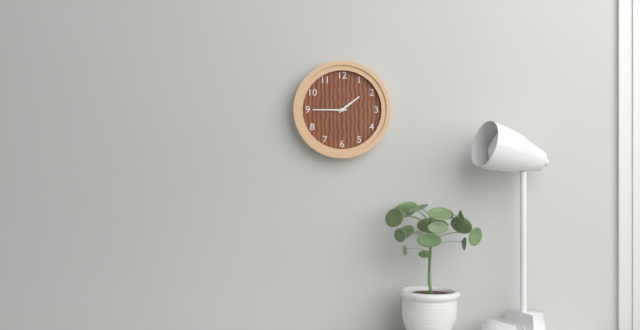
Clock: 1 h 45 min
